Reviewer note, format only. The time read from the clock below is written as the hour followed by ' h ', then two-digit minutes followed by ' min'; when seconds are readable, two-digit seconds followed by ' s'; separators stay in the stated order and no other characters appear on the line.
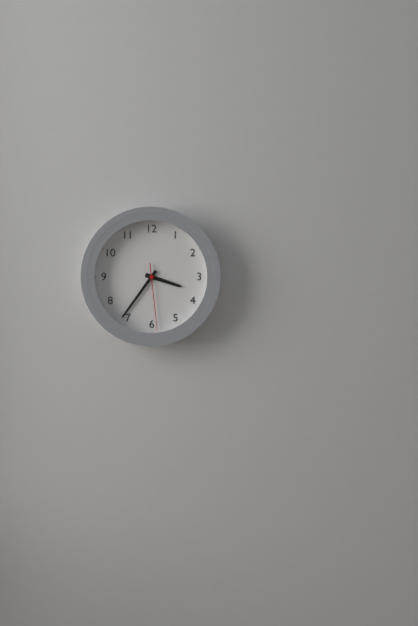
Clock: 3 h 36 min 29 s
